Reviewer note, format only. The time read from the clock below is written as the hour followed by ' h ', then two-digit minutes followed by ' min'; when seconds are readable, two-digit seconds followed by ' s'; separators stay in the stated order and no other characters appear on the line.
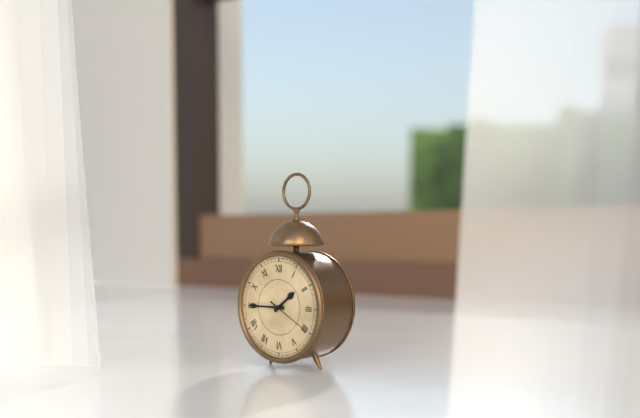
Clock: 1 h 45 min
